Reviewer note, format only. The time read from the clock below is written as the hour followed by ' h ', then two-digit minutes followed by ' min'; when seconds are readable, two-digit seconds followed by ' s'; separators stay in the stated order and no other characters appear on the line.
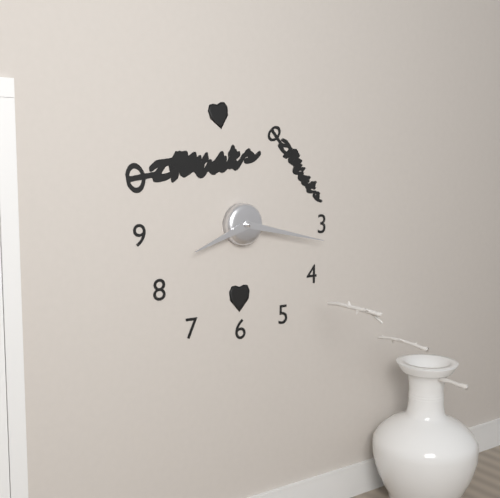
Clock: 8 h 17 min
